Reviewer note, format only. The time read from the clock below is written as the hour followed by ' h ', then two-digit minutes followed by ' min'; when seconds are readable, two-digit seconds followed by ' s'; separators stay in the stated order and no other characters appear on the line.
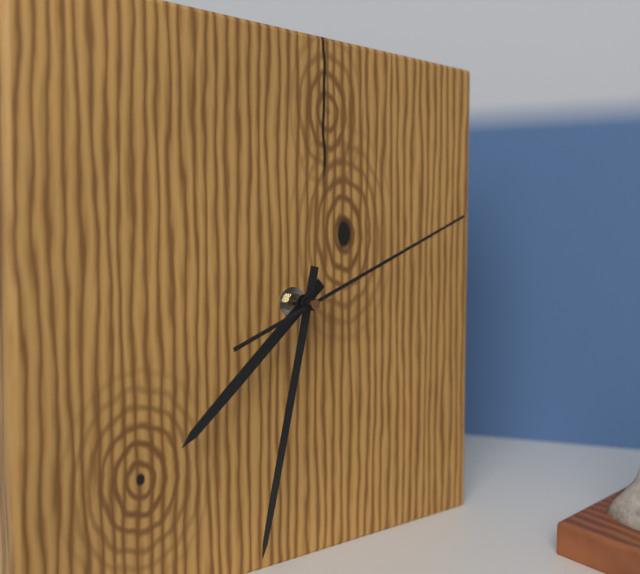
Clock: 7 h 32 min 11 s
